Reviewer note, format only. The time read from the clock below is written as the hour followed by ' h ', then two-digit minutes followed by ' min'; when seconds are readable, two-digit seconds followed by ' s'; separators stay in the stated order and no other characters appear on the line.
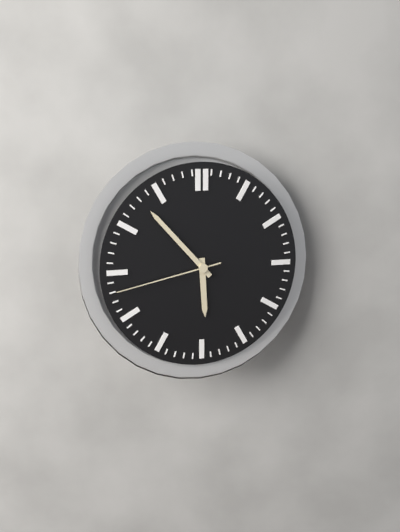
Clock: 5 h 53 min 43 s
